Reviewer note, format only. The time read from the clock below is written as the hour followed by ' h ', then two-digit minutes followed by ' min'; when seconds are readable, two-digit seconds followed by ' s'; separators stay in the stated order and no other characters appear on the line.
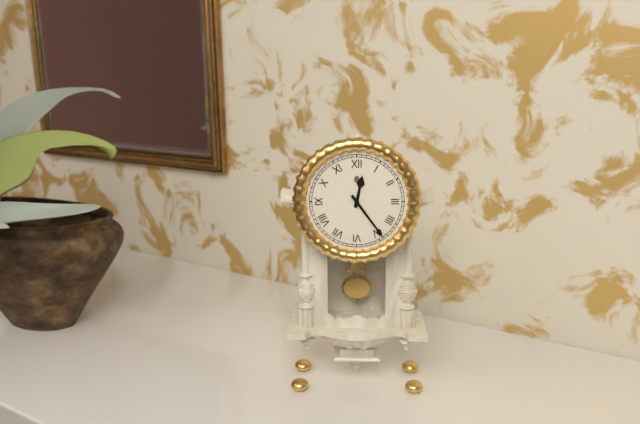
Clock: 12 h 24 min
